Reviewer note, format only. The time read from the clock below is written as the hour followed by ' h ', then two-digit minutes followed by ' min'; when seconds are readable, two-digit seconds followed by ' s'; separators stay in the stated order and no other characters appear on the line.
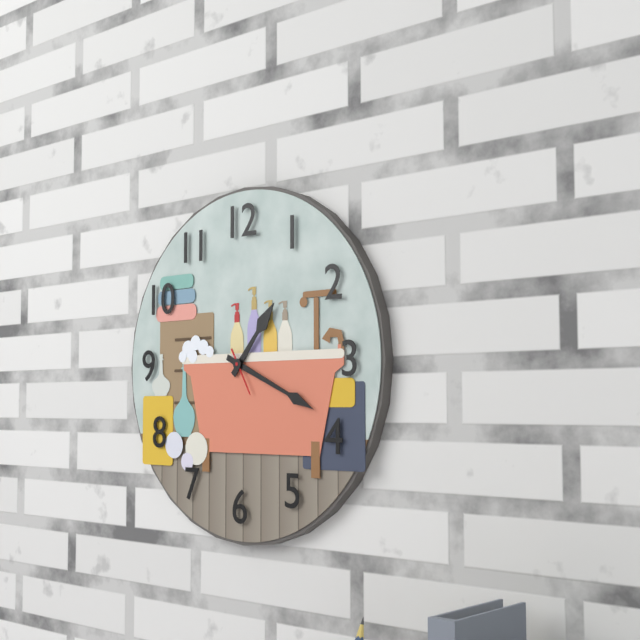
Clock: 1 h 19 min
